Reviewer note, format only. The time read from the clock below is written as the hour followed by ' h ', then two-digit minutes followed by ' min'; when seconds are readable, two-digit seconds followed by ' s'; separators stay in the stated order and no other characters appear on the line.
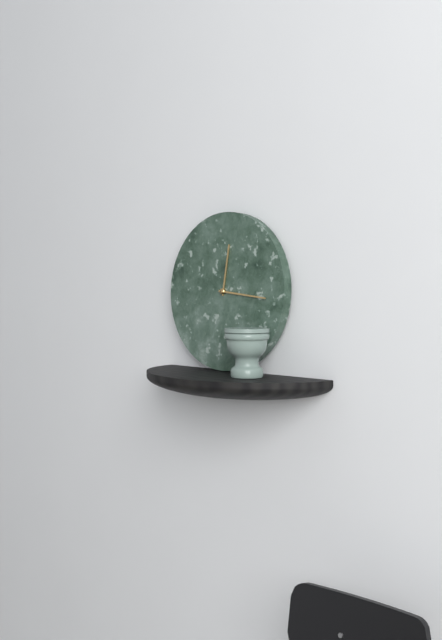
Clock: 12 h 16 min
